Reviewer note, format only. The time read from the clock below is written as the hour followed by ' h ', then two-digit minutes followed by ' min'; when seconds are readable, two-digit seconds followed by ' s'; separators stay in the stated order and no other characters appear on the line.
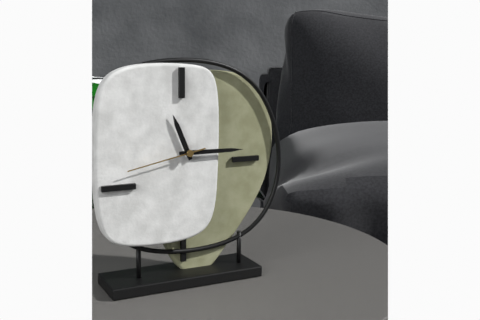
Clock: 11 h 15 min 43 s
